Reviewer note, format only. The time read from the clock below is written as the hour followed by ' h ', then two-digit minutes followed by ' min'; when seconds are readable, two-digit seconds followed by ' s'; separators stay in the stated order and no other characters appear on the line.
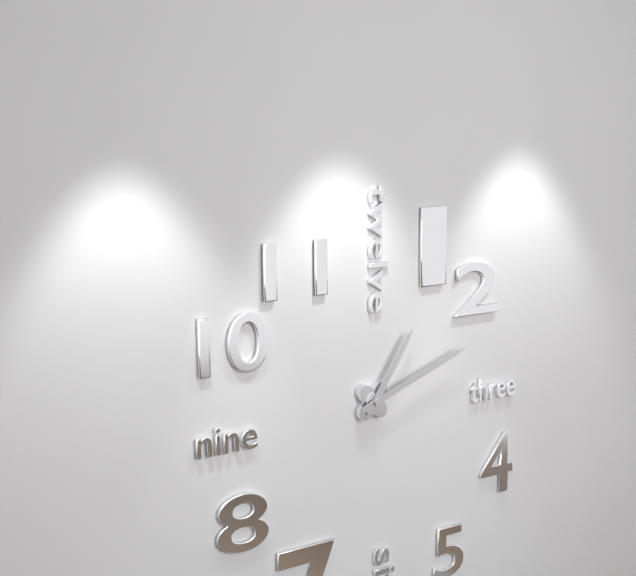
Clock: 1 h 12 min
